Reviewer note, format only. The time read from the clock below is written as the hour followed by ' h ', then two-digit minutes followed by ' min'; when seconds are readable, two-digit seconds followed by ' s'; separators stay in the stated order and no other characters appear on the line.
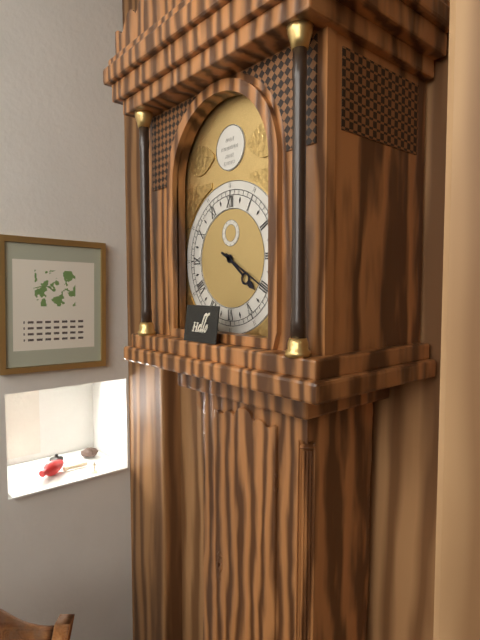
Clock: 4 h 20 min
